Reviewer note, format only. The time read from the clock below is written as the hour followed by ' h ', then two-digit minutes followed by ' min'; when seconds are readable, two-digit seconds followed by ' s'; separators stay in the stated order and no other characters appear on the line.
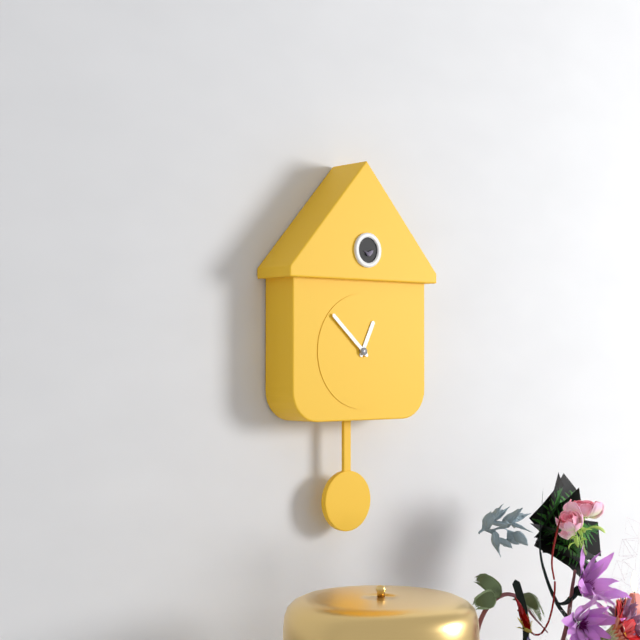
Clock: 12 h 52 min
